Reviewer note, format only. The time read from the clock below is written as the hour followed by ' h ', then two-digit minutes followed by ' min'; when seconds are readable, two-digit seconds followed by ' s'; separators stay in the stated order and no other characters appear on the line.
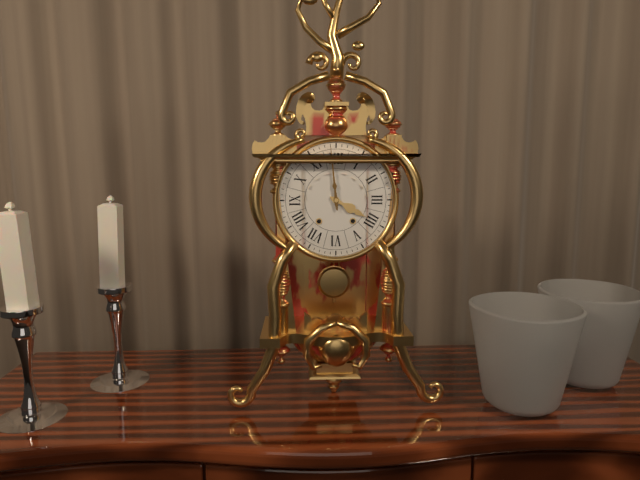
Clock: 3 h 59 min
